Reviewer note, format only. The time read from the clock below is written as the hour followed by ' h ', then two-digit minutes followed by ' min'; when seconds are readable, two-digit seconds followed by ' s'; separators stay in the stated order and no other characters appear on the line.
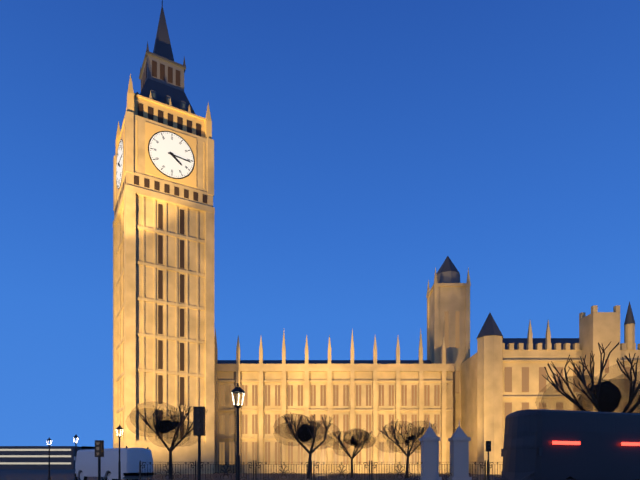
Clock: 4 h 16 min
